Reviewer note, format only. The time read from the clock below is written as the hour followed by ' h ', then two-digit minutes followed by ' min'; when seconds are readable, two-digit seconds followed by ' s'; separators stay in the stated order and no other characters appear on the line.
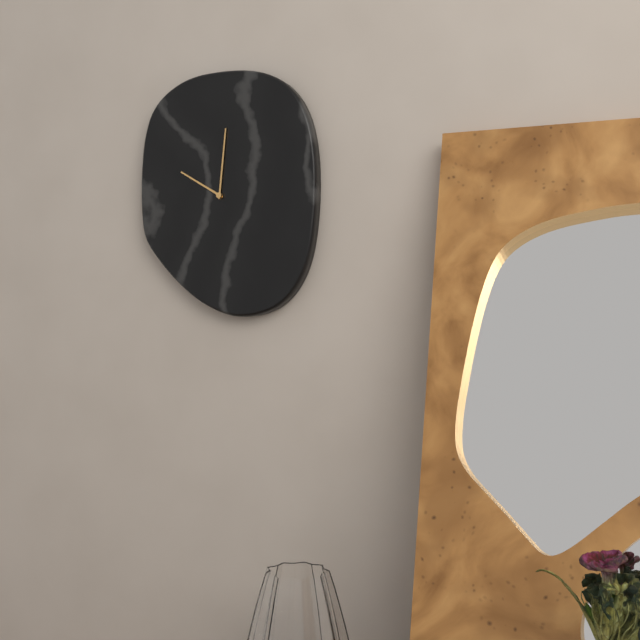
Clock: 10 h 01 min
